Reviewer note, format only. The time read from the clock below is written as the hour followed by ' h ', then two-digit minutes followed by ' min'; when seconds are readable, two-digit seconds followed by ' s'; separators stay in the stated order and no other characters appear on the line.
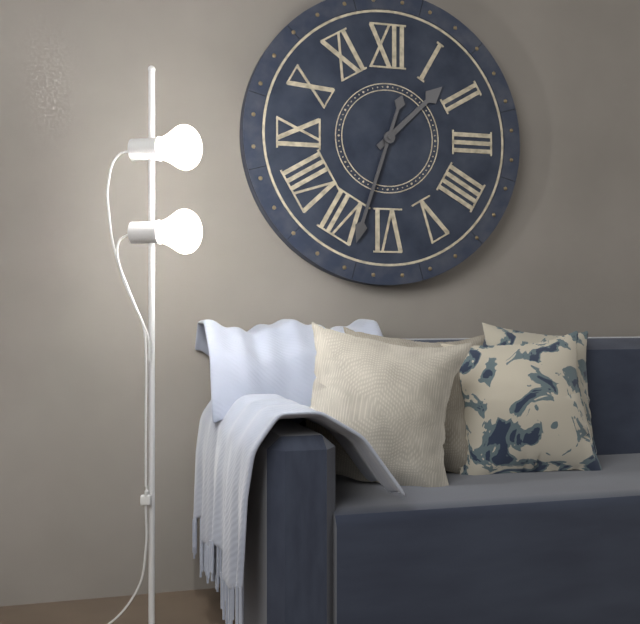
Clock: 1 h 33 min
